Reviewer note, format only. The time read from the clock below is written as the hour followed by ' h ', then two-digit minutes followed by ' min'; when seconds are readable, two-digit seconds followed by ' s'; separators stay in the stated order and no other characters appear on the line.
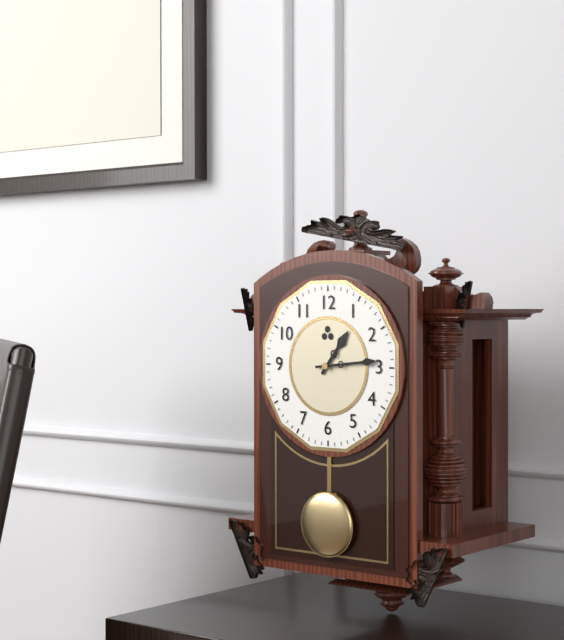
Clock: 1 h 14 min
